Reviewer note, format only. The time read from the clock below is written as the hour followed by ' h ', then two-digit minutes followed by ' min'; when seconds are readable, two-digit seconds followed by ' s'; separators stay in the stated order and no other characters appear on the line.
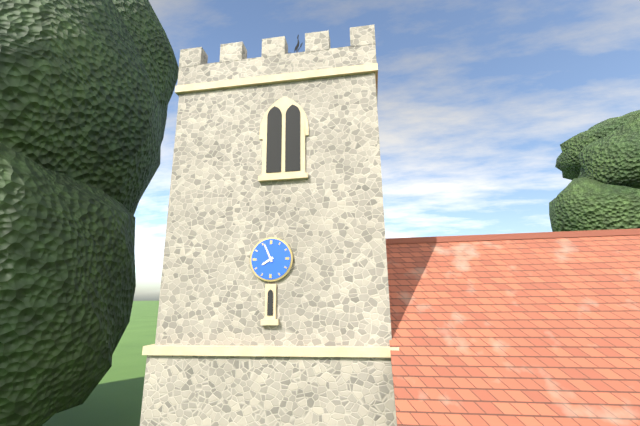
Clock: 7 h 56 min
